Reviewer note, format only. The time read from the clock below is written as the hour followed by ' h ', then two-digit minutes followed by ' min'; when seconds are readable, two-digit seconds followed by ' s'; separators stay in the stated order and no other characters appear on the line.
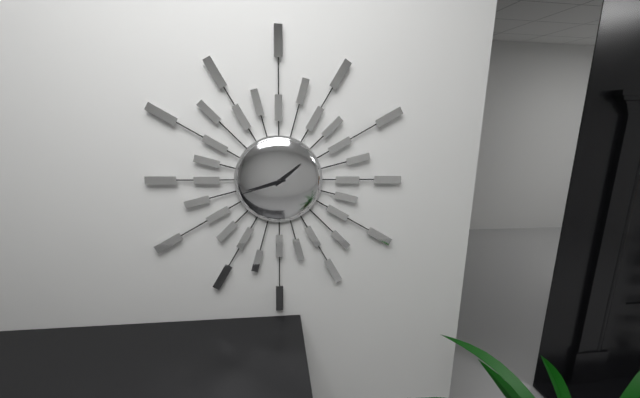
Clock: 1 h 42 min
